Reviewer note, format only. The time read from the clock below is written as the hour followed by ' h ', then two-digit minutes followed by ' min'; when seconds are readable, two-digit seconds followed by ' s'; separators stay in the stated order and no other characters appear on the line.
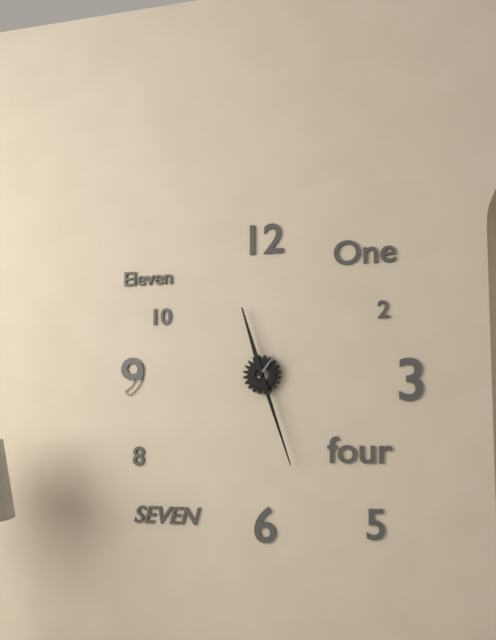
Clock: 11 h 27 min
